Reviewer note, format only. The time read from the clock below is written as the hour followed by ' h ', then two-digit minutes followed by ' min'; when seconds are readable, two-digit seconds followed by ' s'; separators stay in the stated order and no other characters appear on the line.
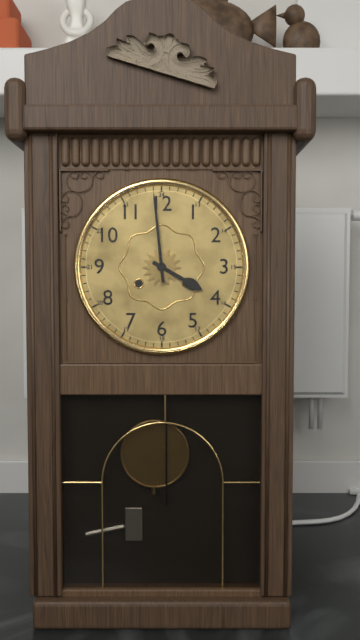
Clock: 3 h 59 min
